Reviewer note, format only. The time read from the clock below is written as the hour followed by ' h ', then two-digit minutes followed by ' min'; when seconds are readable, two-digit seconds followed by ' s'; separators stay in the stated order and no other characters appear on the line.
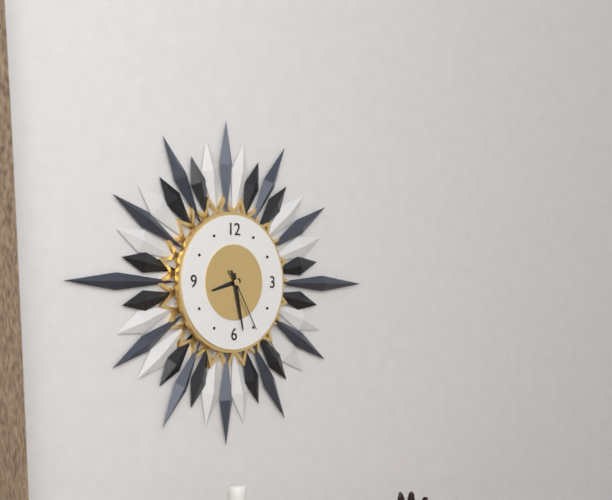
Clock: 8 h 28 min 25 s
